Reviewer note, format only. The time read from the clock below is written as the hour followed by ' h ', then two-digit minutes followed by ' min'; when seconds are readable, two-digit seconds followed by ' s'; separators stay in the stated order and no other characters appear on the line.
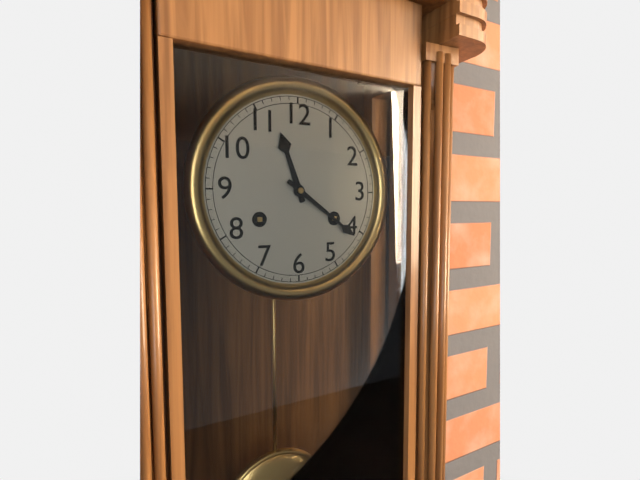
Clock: 11 h 21 min
